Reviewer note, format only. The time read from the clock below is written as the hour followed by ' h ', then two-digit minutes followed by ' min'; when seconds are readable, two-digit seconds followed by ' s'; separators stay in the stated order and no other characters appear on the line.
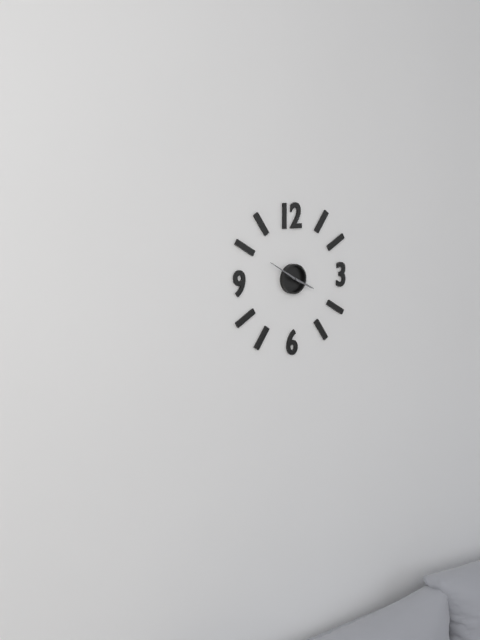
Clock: 3 h 50 min
